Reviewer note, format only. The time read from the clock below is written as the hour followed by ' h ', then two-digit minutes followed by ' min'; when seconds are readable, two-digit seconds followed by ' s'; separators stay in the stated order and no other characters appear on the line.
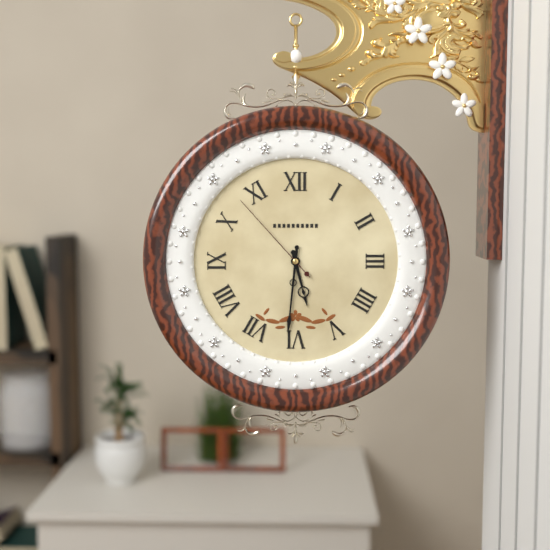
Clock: 5 h 31 min 53 s
